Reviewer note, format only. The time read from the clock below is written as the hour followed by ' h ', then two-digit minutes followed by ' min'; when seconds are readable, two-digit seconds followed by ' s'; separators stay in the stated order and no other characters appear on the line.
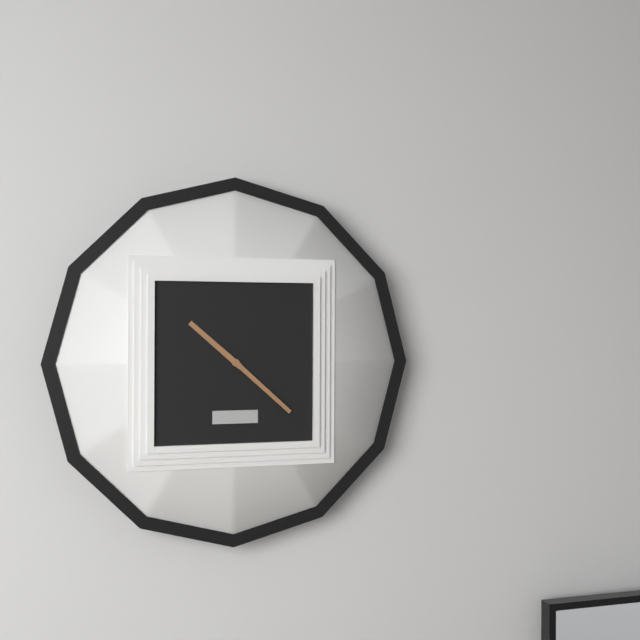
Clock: 10 h 22 min
